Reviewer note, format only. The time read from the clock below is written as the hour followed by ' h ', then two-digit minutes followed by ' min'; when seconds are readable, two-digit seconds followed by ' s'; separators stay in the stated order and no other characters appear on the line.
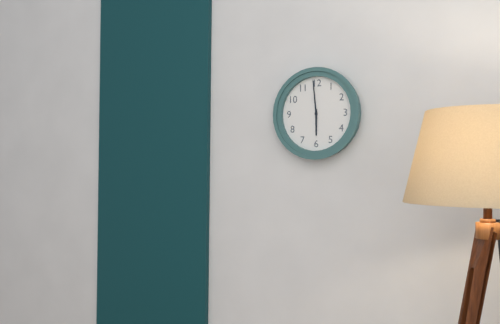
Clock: 5 h 59 min
